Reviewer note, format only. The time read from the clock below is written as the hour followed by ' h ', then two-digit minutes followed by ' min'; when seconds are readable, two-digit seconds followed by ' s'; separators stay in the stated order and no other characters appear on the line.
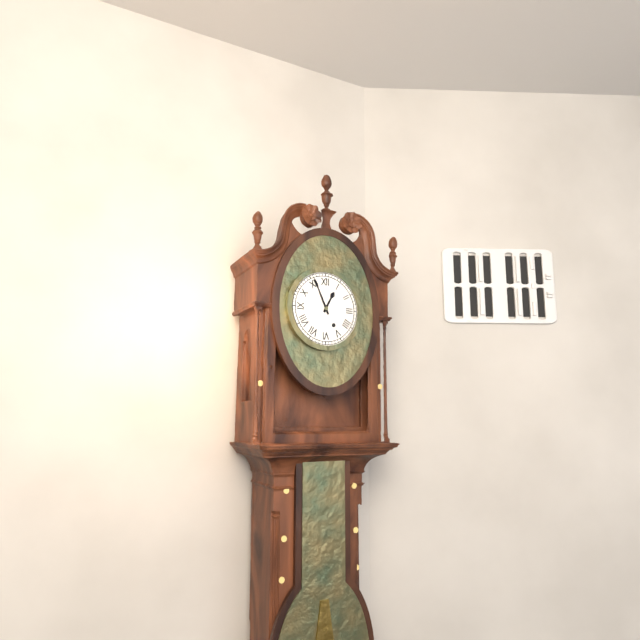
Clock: 12 h 56 min
